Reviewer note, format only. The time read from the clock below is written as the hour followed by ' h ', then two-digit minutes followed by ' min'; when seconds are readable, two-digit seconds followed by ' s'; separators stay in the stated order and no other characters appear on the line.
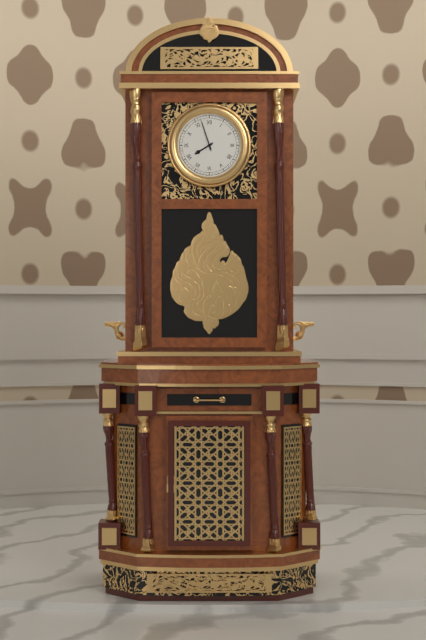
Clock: 7 h 57 min
